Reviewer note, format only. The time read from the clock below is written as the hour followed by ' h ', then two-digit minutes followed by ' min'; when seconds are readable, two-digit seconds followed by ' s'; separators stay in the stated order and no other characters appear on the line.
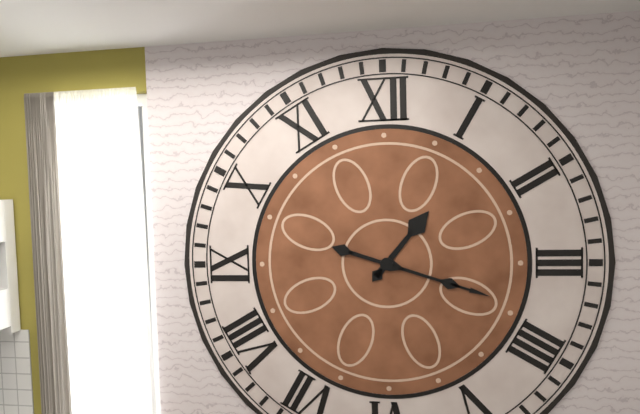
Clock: 1 h 18 min
